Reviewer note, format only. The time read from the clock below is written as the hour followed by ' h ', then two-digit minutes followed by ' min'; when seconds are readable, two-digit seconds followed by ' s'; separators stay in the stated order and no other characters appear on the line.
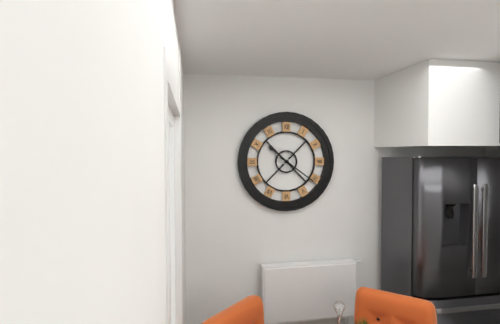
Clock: 10 h 21 min
